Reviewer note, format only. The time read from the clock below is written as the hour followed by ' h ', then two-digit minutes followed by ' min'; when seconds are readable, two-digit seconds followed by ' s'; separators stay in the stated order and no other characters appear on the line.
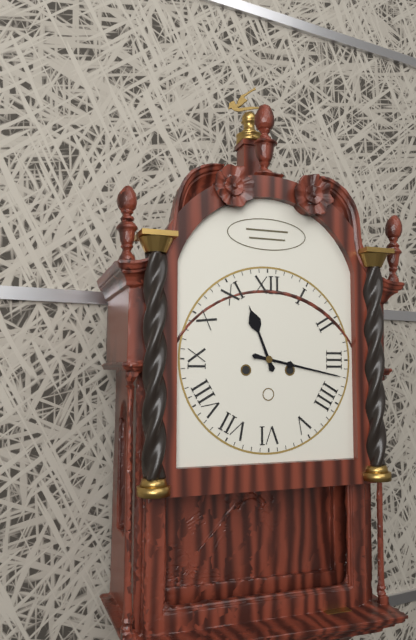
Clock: 11 h 17 min
